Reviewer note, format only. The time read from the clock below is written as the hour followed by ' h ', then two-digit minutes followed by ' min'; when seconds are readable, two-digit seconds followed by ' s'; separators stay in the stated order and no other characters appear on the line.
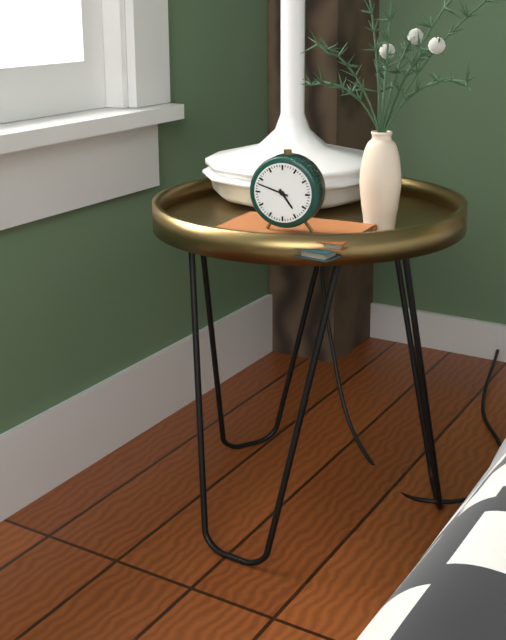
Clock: 4 h 48 min
